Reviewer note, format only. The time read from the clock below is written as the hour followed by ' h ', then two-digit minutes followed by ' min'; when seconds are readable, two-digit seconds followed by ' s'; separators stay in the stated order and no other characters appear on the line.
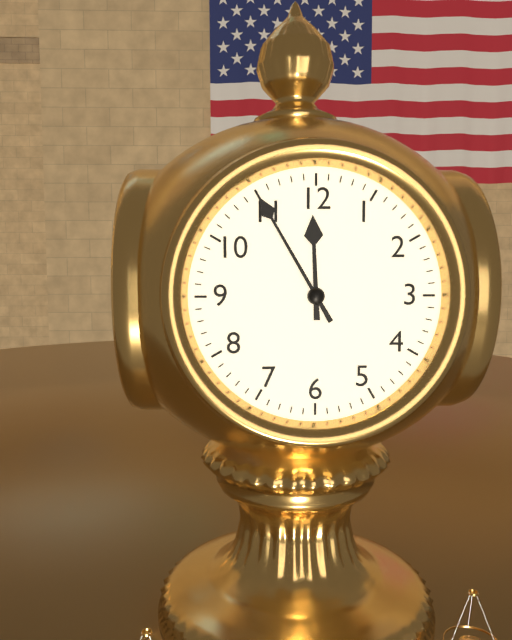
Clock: 11 h 55 min
